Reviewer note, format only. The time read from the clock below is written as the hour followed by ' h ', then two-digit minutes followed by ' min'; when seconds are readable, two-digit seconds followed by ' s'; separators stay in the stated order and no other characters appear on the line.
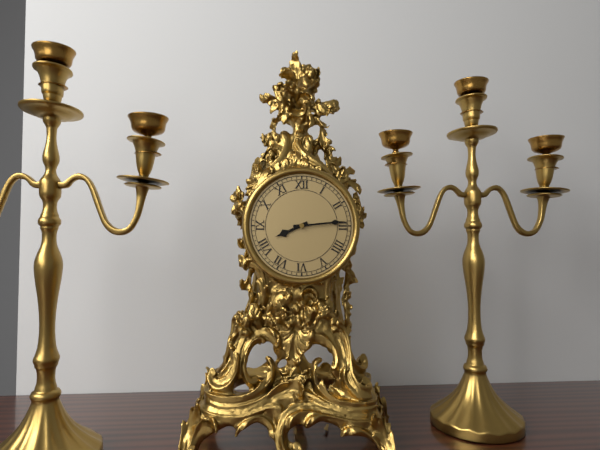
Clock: 8 h 14 min
